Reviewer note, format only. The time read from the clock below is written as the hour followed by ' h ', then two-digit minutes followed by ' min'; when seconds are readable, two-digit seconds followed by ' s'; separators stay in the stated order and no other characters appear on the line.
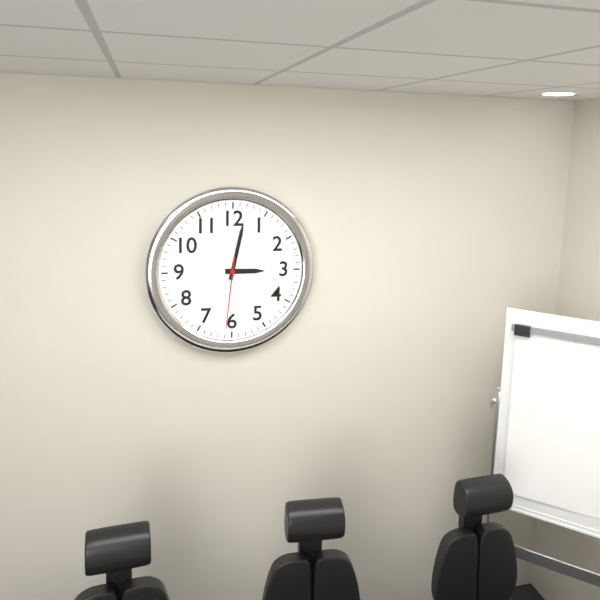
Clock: 3 h 02 min 31 s
